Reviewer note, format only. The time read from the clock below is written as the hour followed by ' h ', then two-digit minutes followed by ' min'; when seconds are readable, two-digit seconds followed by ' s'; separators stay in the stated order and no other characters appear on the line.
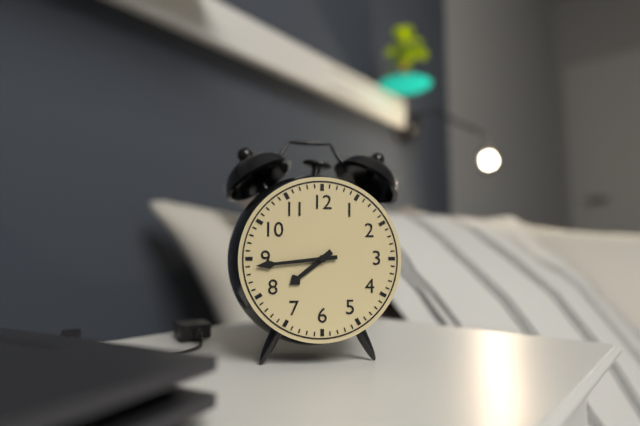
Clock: 7 h 44 min
